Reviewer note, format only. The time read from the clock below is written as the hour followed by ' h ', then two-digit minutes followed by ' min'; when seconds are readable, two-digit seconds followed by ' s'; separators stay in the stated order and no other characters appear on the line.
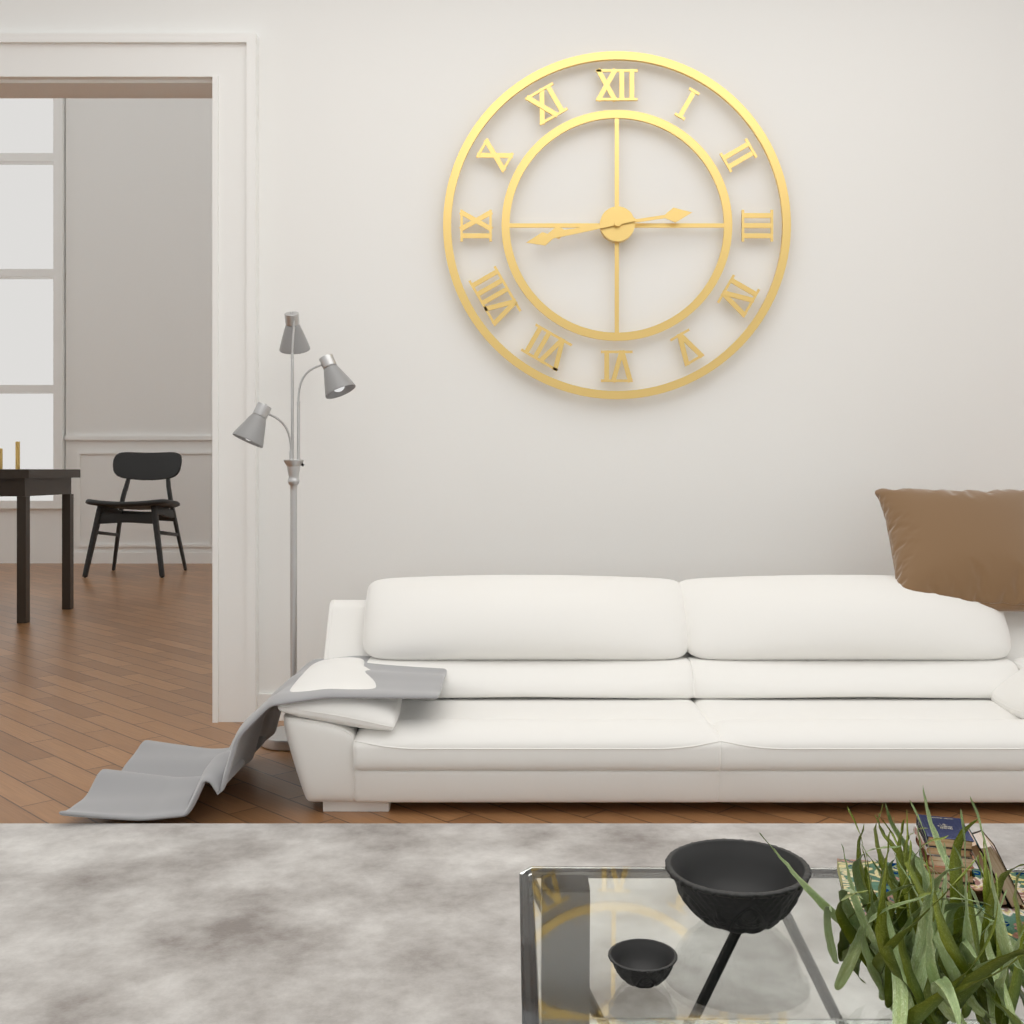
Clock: 2 h 43 min
